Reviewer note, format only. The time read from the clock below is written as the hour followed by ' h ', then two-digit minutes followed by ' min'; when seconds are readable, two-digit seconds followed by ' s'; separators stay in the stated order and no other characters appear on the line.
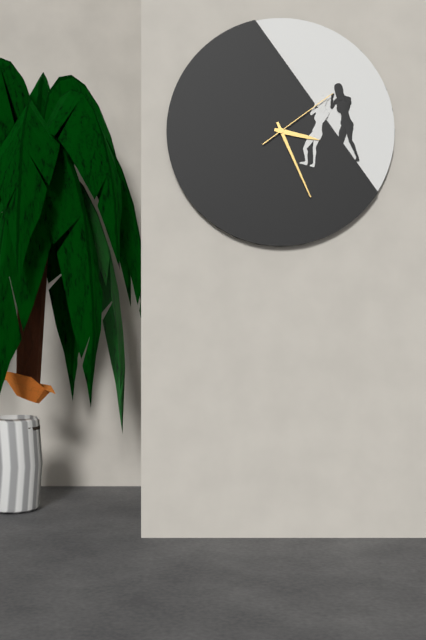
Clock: 3 h 26 min 09 s
